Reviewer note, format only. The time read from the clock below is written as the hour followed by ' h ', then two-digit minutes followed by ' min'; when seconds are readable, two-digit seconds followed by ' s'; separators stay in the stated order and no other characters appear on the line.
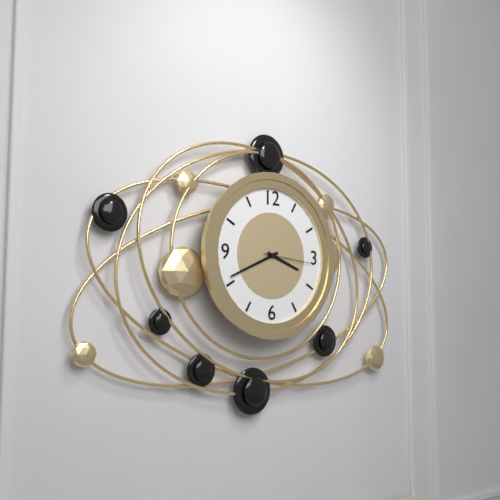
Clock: 3 h 41 min
